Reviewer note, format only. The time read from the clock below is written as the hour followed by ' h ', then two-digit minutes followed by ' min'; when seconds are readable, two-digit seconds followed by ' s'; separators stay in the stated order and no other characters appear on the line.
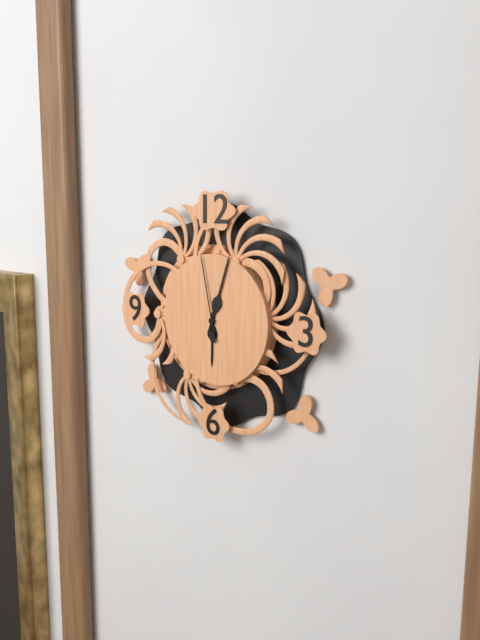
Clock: 6 h 03 min 58 s
